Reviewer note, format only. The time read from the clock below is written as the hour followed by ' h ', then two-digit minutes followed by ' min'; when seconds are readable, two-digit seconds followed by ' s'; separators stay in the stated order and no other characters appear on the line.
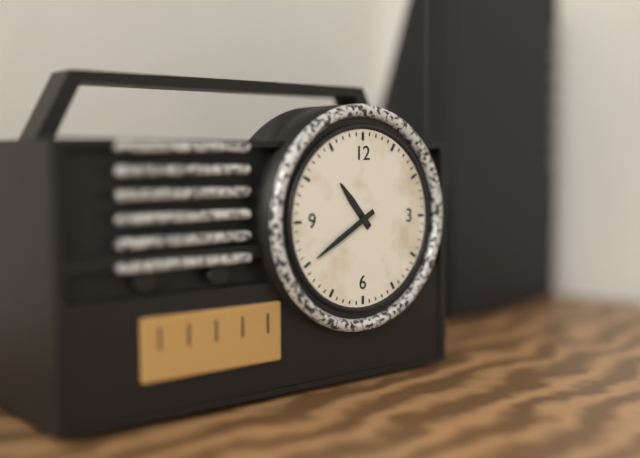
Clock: 10 h 40 min
